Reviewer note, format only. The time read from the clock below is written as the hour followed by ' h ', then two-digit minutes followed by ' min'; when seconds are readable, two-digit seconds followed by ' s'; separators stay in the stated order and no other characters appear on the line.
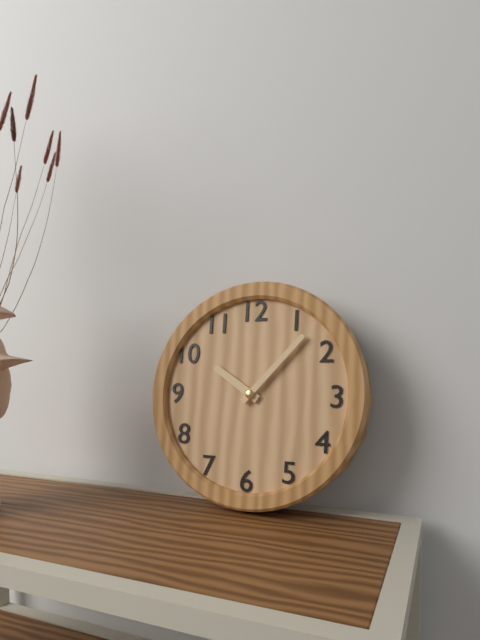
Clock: 10 h 07 min
